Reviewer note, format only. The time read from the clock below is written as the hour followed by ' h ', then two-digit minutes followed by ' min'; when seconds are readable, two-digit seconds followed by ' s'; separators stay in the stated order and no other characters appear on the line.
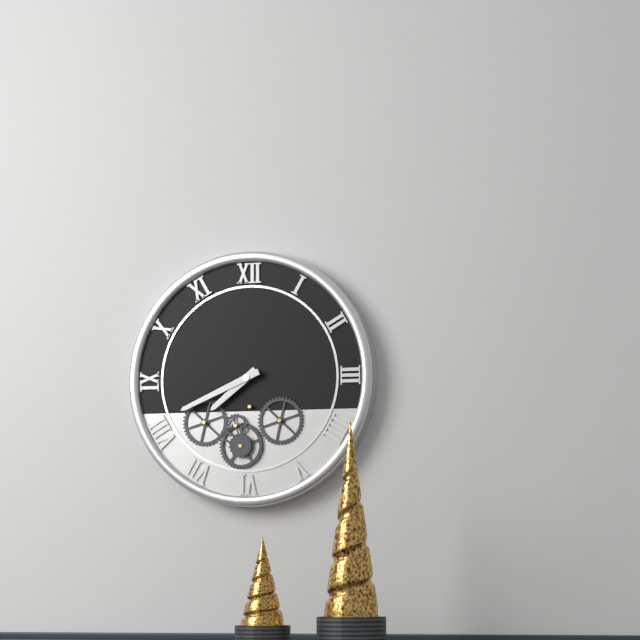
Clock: 7 h 41 min
